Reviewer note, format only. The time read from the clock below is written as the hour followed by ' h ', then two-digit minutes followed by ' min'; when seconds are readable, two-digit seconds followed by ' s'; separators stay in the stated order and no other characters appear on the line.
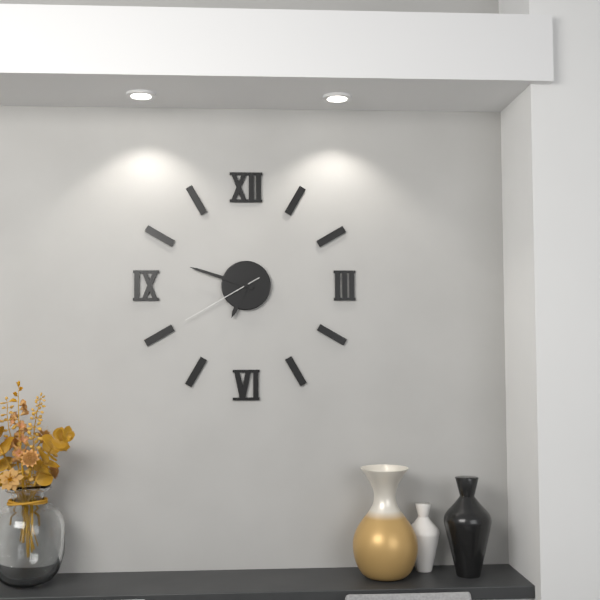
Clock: 6 h 48 min 40 s
